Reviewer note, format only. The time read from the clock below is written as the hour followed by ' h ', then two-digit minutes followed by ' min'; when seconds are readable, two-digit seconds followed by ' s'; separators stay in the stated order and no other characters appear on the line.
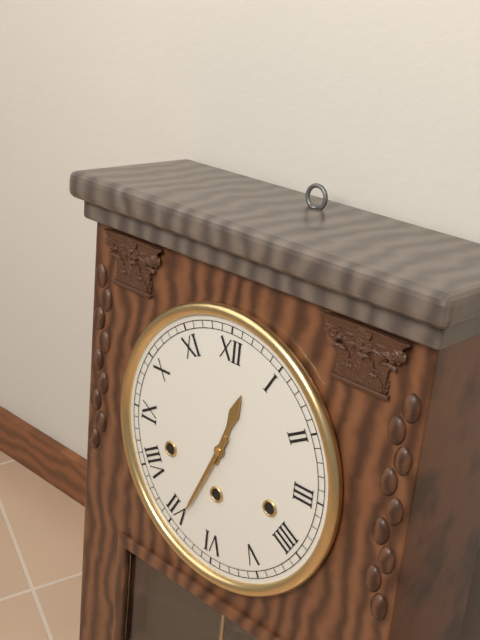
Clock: 12 h 34 min
